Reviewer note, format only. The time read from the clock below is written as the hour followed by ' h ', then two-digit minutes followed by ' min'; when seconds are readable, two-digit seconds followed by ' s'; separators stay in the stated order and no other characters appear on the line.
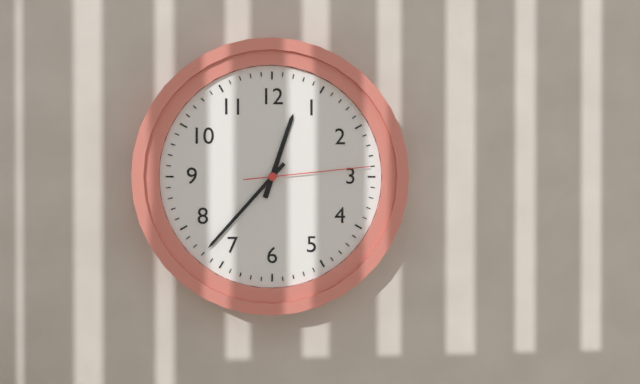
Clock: 12 h 37 min 14 s
